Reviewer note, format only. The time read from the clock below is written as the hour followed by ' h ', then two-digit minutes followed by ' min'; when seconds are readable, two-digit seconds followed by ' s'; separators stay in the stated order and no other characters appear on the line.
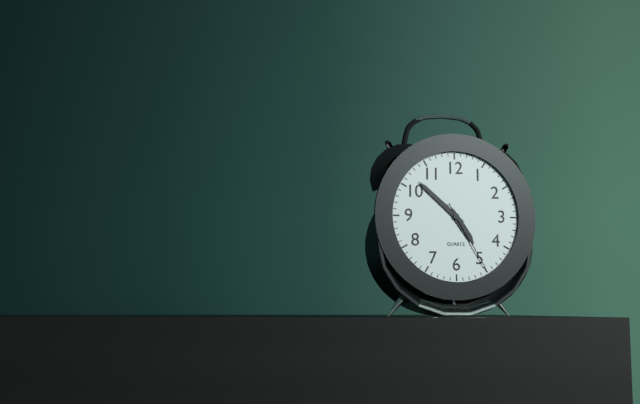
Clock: 4 h 52 min 25 s
